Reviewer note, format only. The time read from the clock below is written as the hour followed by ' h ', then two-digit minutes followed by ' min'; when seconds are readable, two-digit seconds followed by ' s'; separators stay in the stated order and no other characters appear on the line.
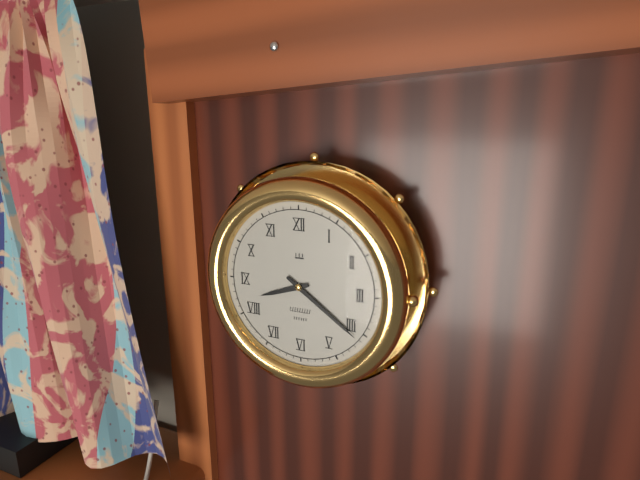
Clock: 8 h 21 min
